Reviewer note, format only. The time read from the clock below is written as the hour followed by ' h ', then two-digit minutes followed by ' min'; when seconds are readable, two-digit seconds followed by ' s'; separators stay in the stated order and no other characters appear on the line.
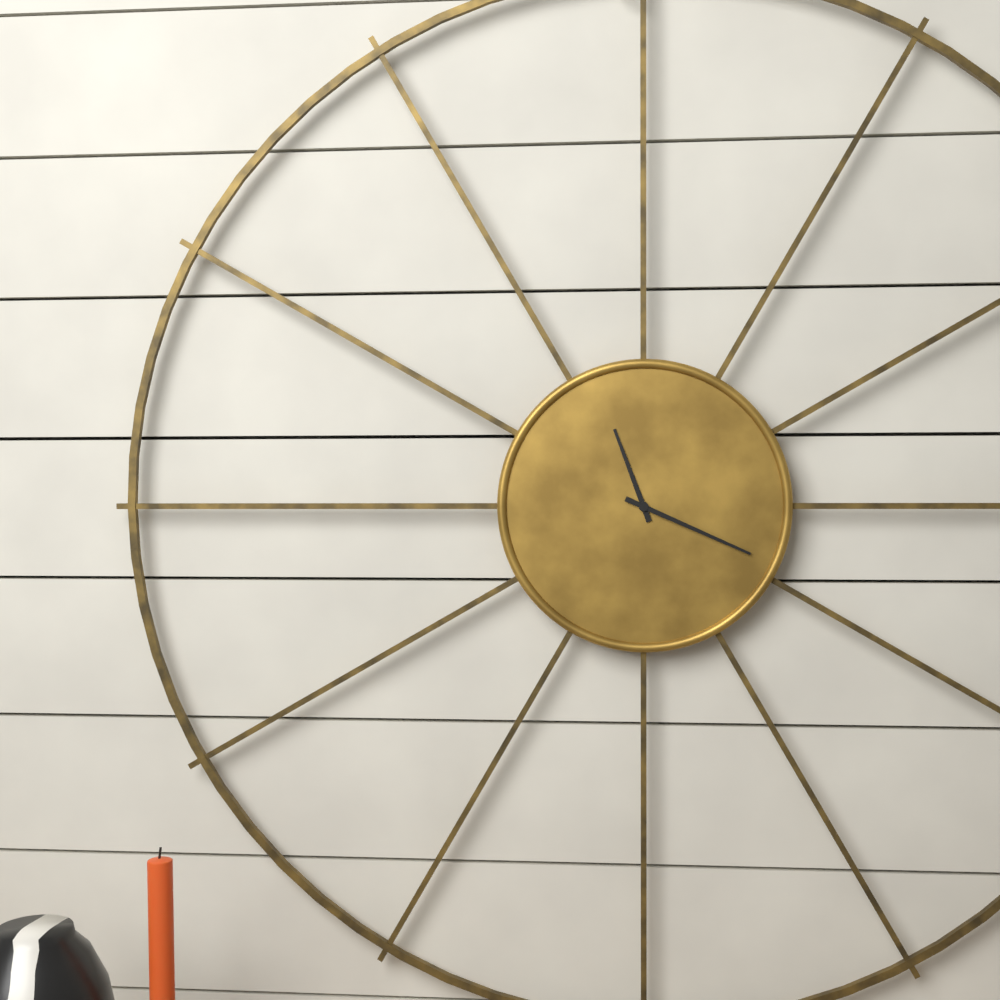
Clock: 11 h 19 min
